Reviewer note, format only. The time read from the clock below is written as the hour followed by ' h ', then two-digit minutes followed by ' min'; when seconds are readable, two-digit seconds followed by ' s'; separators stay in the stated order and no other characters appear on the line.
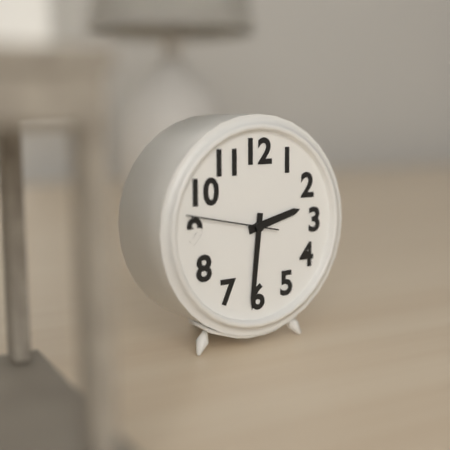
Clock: 2 h 31 min 47 s
